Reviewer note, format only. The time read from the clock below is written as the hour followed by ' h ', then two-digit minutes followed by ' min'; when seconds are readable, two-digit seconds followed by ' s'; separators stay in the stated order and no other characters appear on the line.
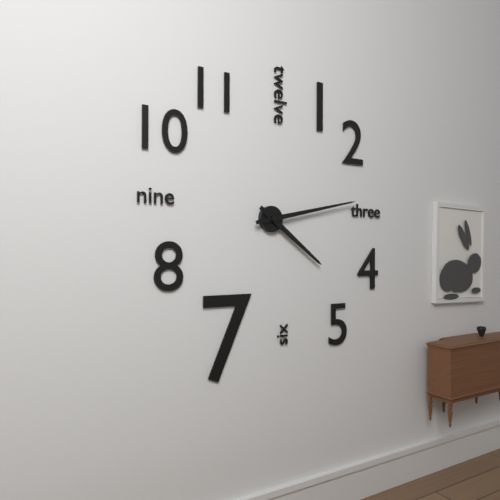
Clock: 4 h 13 min
